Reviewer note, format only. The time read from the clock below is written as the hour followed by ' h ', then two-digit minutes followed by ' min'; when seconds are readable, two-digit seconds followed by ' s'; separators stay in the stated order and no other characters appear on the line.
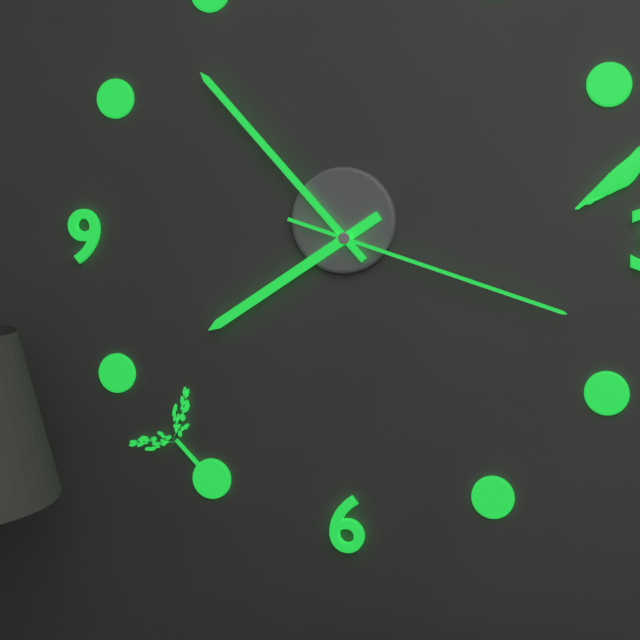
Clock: 7 h 53 min 18 s
